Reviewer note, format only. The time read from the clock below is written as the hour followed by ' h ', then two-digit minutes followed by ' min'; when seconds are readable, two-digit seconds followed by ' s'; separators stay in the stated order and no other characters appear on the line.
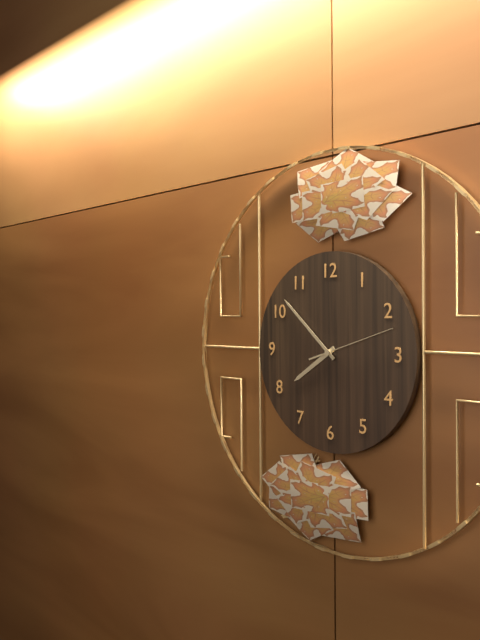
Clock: 7 h 52 min 12 s
